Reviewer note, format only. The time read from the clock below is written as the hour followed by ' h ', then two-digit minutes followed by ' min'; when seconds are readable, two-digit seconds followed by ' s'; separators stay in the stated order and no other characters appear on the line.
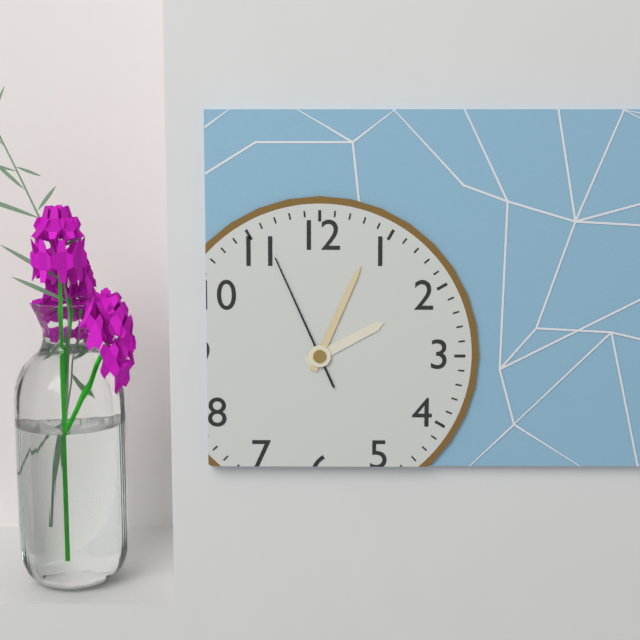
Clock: 2 h 04 min 56 s
